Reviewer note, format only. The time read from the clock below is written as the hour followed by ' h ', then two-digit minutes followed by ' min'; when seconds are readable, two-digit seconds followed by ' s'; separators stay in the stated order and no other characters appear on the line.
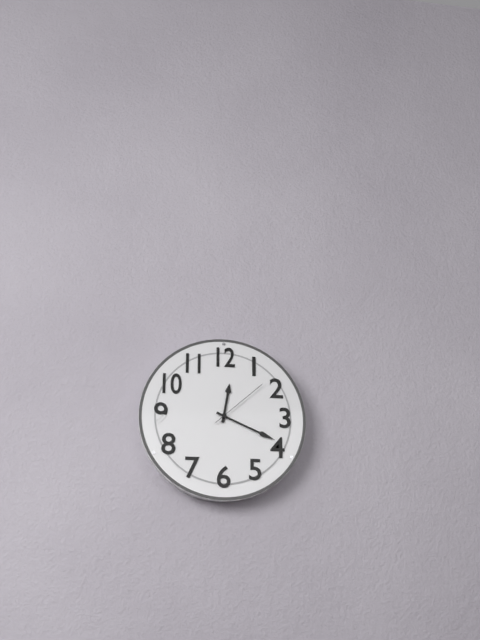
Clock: 12 h 19 min 08 s
